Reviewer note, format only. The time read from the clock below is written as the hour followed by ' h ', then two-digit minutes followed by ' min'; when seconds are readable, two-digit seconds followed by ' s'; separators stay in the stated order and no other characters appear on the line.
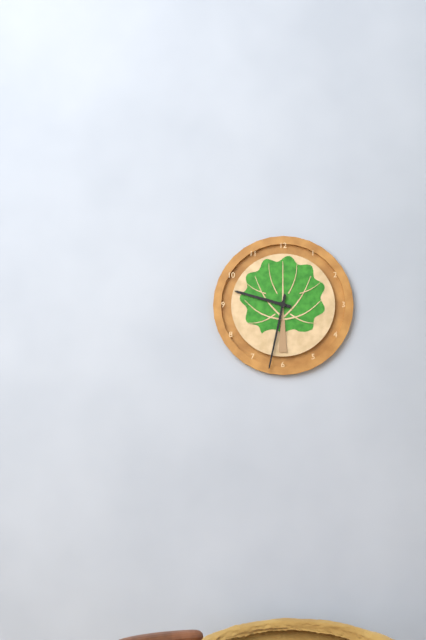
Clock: 9 h 32 min
